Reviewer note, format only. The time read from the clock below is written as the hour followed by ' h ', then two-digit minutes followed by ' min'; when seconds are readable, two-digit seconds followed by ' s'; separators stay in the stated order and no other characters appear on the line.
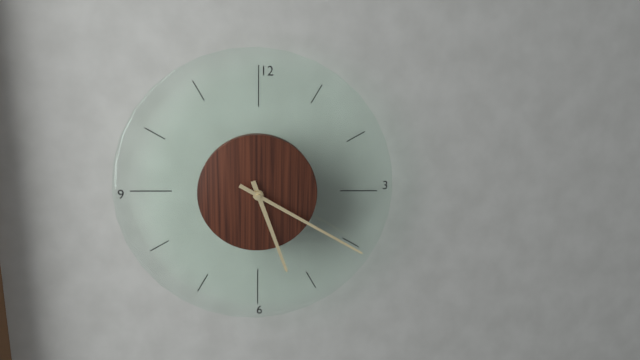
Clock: 5 h 20 min
